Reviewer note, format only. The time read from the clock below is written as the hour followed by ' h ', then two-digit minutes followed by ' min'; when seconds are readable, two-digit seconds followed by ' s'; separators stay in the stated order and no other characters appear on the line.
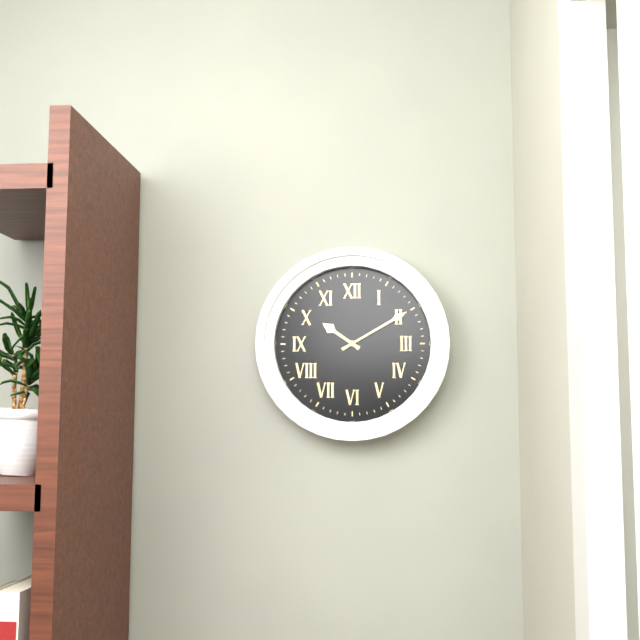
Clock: 10 h 10 min
